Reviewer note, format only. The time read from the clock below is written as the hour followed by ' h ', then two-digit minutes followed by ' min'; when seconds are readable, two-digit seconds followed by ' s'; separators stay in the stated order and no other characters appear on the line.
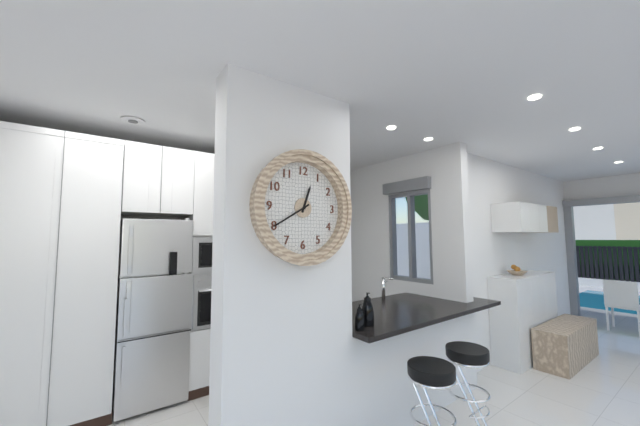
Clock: 12 h 40 min
